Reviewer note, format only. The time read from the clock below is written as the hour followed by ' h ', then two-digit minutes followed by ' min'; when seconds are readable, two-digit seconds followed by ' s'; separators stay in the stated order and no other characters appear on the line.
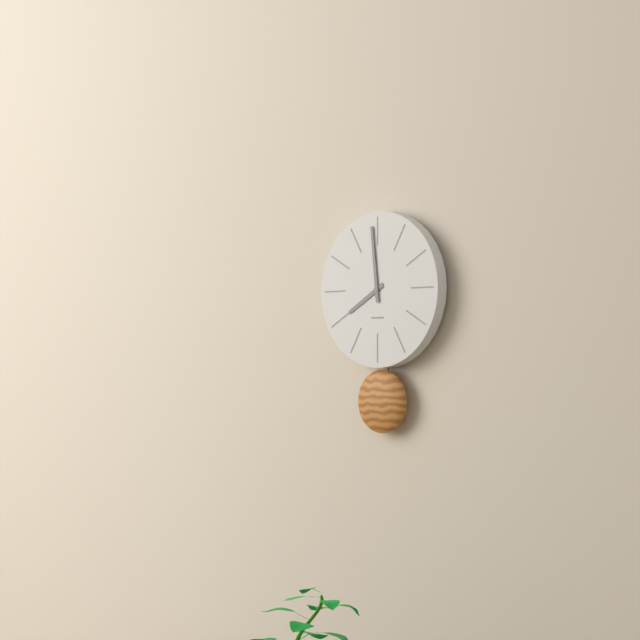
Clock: 7 h 59 min
